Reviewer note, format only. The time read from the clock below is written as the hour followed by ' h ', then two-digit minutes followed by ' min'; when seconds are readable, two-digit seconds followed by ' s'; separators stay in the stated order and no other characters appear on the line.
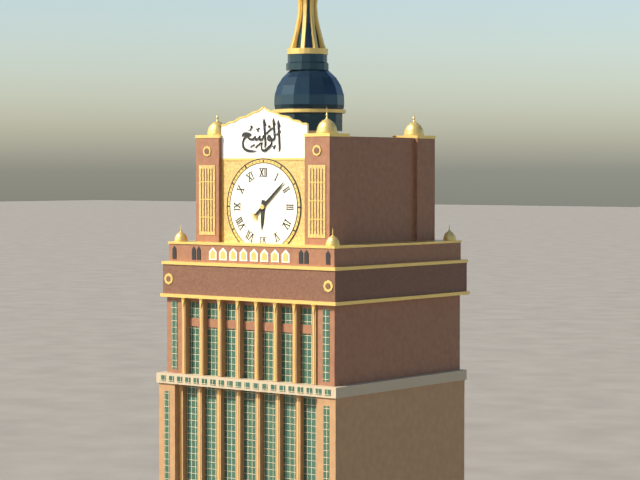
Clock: 6 h 08 min
